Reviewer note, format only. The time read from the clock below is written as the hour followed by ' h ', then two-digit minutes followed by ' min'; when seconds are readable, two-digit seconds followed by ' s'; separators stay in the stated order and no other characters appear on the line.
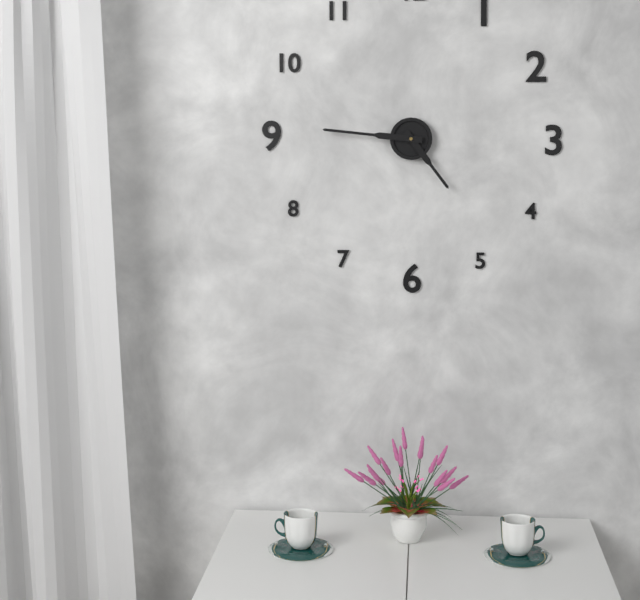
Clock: 4 h 46 min
